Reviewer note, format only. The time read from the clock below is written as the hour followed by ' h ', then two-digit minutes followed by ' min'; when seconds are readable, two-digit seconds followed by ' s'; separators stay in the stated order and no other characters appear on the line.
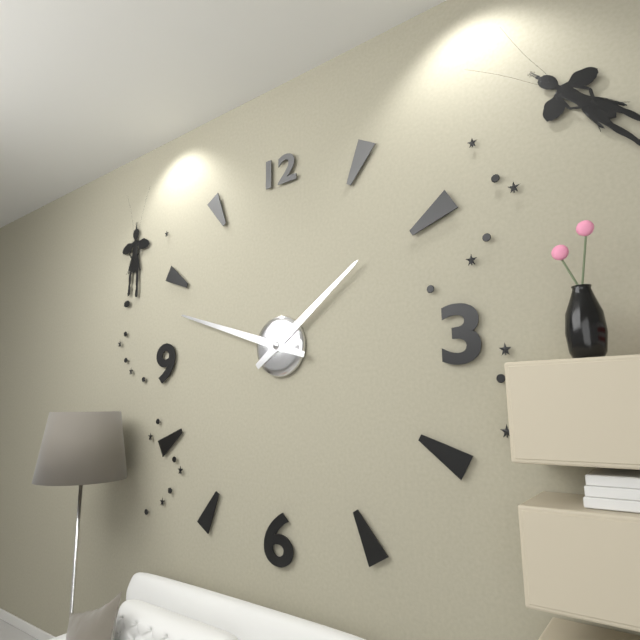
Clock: 1 h 48 min
